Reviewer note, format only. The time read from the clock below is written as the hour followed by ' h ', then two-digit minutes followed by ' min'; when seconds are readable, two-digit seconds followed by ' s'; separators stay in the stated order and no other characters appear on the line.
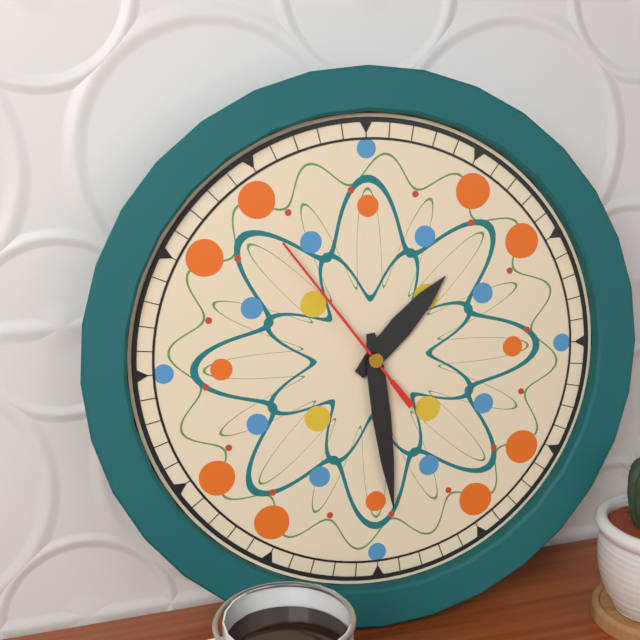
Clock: 1 h 29 min 54 s
